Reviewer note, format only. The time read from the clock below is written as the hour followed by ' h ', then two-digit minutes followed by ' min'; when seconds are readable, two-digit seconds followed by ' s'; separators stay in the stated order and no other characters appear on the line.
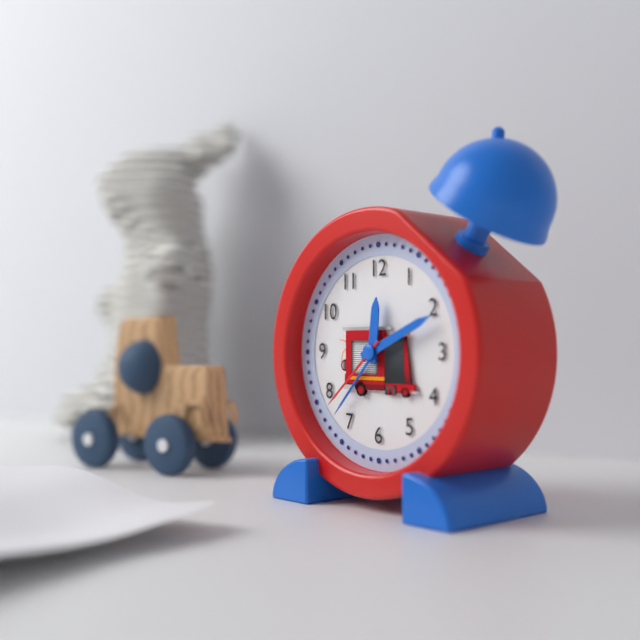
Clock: 12 h 11 min 38 s
